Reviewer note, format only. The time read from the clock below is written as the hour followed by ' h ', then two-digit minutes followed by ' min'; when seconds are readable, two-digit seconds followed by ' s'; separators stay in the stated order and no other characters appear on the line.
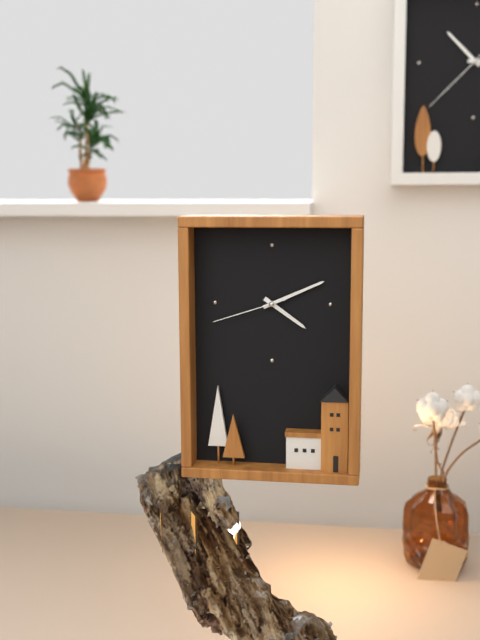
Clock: 4 h 11 min 42 s
